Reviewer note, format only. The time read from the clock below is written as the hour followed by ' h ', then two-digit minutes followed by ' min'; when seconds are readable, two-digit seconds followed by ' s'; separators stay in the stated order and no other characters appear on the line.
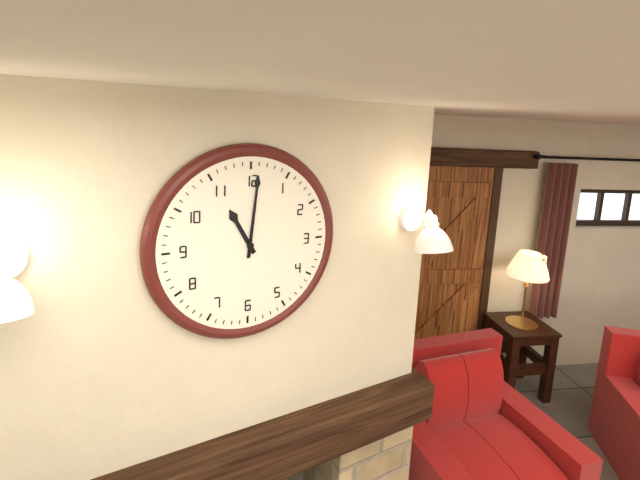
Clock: 11 h 01 min
